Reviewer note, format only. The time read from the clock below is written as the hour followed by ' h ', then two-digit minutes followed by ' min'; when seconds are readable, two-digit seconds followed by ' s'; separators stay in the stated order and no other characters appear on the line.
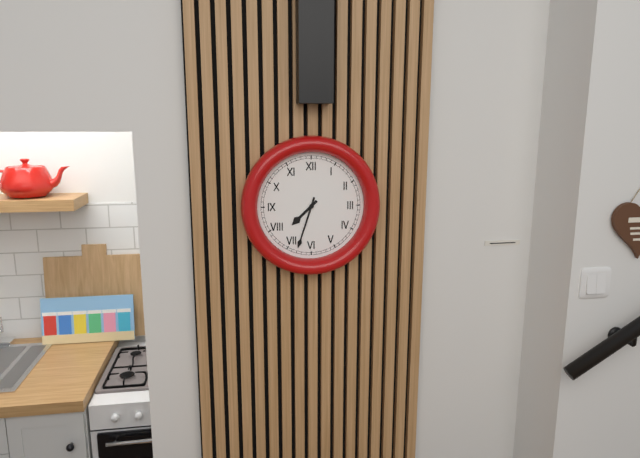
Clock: 7 h 33 min
